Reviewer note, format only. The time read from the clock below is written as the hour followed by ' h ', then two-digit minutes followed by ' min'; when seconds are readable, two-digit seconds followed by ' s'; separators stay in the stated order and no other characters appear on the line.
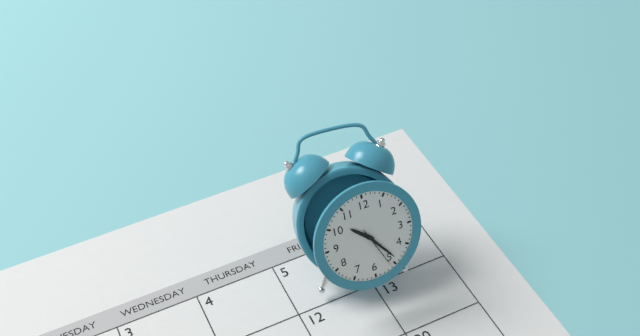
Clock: 10 h 24 min 26 s
